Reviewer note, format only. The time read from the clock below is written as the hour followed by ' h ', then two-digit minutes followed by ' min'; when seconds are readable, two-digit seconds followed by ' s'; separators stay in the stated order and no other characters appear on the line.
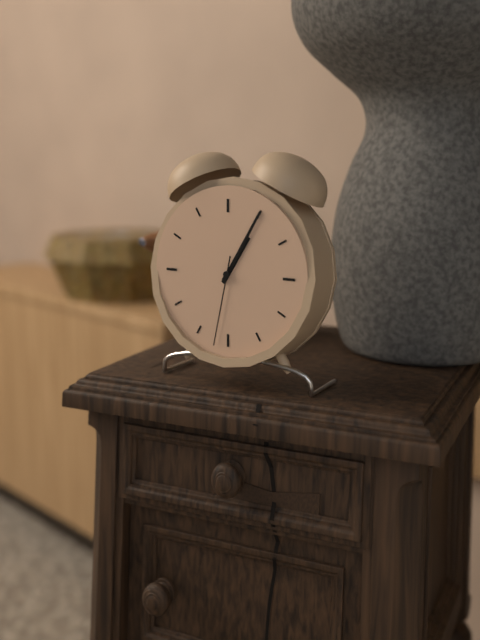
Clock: 1 h 05 min 32 s
